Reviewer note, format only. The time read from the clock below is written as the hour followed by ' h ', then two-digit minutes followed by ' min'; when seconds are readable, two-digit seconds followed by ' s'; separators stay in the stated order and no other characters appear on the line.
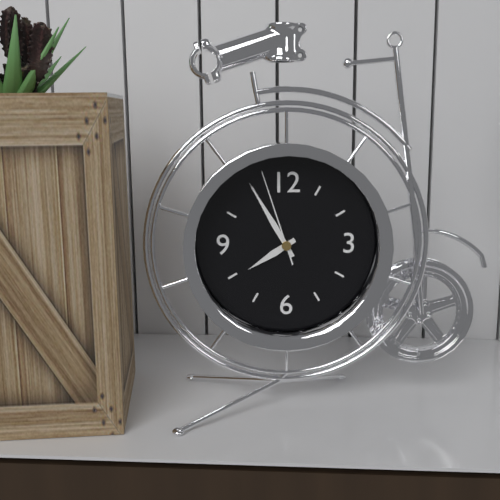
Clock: 7 h 55 min 57 s
